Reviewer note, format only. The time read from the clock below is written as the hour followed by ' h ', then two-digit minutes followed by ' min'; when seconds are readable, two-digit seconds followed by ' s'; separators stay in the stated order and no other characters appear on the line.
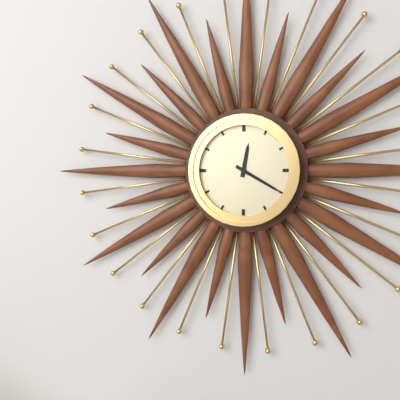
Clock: 12 h 20 min
